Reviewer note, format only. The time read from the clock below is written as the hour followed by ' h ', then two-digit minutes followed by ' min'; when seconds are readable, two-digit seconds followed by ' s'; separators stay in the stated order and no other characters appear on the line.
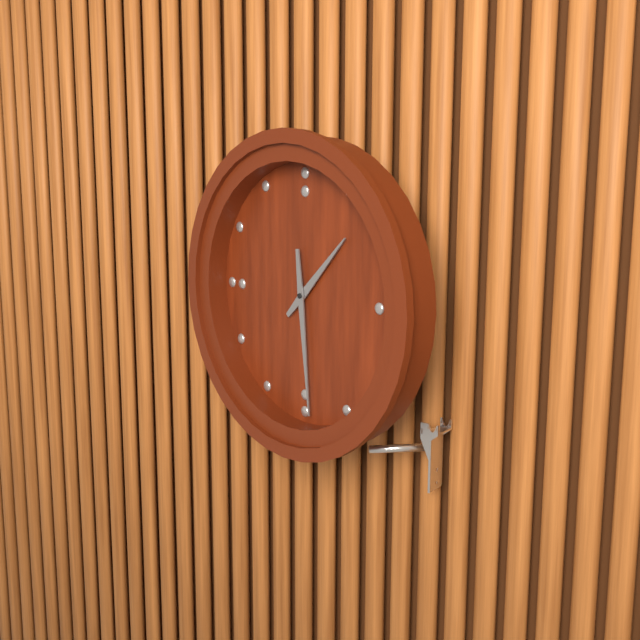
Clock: 1 h 29 min
